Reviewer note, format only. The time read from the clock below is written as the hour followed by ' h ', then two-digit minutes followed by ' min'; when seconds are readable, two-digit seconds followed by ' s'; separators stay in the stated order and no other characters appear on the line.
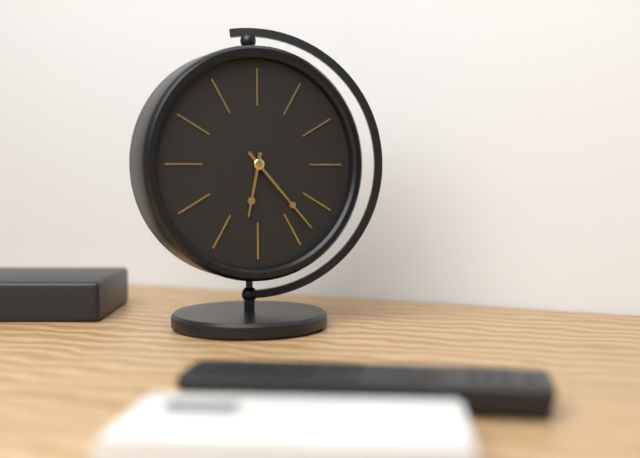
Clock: 6 h 23 min
